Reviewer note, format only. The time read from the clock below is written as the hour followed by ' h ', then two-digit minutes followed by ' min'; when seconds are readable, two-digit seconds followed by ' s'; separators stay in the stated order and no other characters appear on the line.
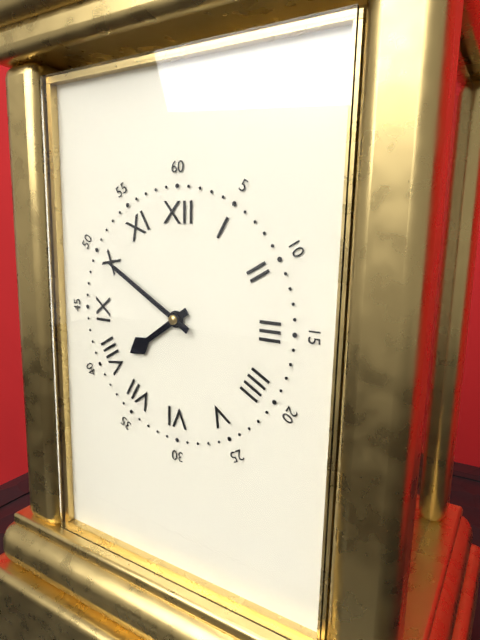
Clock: 7 h 50 min
